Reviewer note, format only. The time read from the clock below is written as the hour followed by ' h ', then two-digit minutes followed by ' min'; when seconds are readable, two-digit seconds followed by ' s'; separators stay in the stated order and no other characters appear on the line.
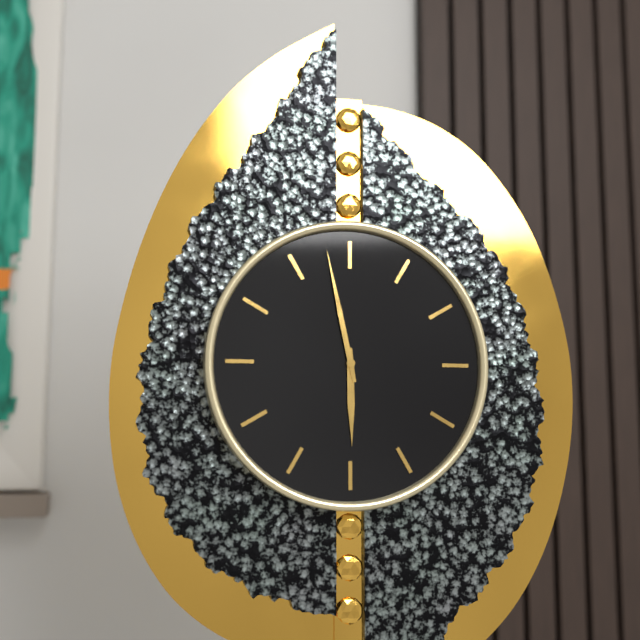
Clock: 5 h 58 min
